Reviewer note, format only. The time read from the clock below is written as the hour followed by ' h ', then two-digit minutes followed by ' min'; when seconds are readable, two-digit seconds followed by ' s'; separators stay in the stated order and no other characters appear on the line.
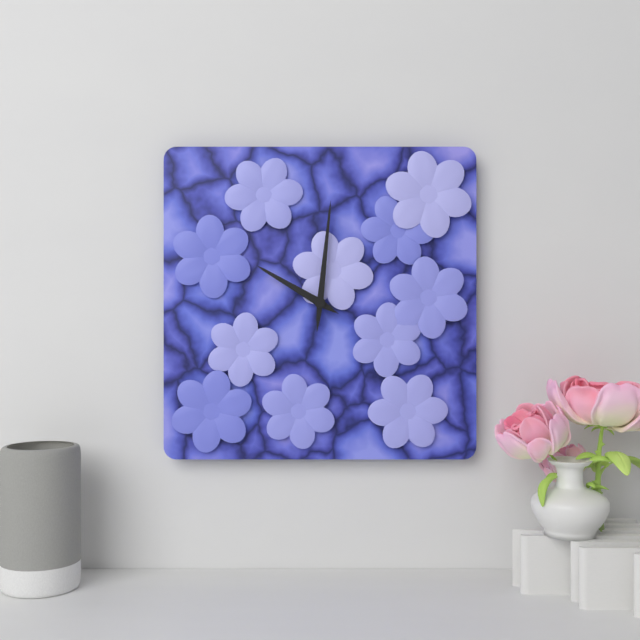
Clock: 10 h 01 min
